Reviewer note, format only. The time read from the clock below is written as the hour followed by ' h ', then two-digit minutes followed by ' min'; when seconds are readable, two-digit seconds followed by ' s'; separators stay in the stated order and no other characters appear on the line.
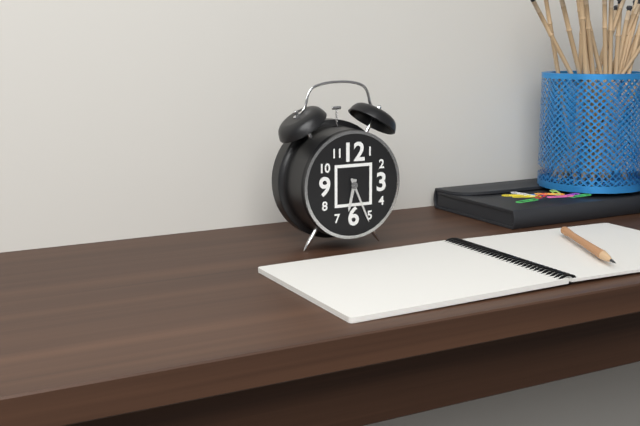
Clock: 6 h 26 min
